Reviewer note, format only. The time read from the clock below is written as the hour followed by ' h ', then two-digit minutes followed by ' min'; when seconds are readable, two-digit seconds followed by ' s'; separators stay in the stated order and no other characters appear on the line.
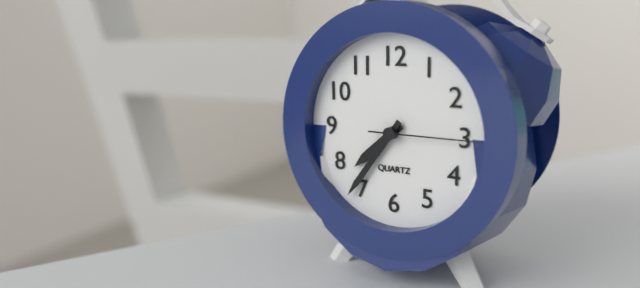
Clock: 7 h 36 min 15 s
